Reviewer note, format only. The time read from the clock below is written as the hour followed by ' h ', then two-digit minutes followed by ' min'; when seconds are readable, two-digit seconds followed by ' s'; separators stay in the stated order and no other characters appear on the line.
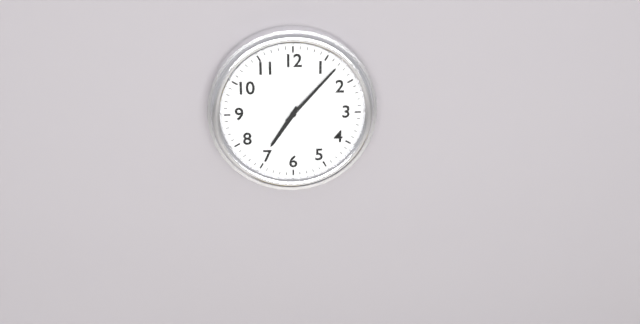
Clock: 7 h 07 min
